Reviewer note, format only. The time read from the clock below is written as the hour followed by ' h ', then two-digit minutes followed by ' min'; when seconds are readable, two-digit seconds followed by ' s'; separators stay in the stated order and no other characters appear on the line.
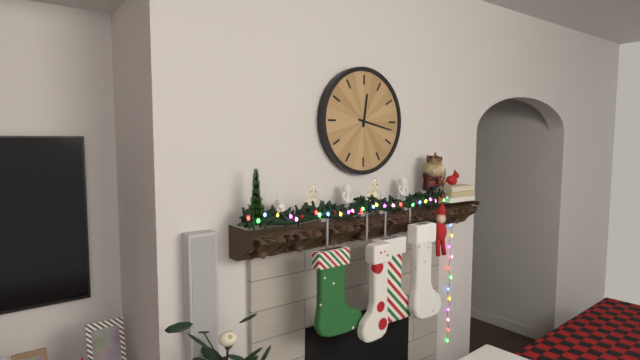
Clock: 12 h 17 min
